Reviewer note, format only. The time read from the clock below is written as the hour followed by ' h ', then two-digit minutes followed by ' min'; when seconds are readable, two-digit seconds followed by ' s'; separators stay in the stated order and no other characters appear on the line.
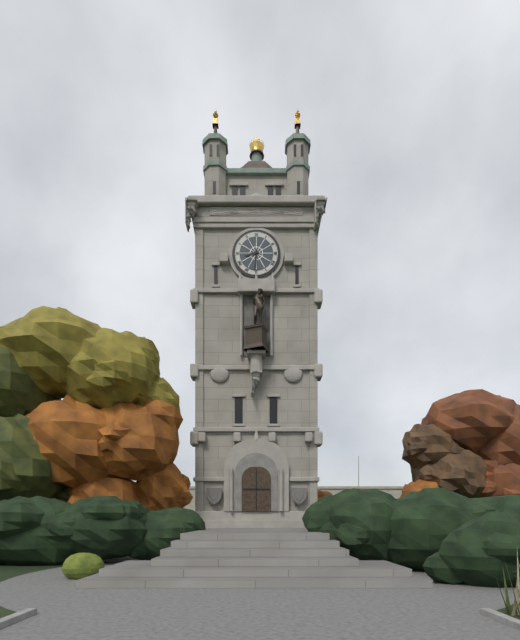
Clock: 8 h 31 min
